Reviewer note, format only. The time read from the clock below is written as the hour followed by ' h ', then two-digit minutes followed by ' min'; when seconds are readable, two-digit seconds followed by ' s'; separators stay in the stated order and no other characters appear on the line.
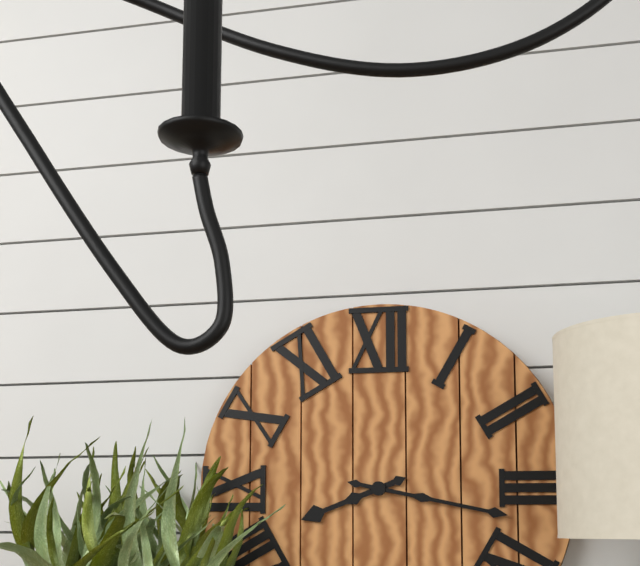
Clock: 8 h 17 min
